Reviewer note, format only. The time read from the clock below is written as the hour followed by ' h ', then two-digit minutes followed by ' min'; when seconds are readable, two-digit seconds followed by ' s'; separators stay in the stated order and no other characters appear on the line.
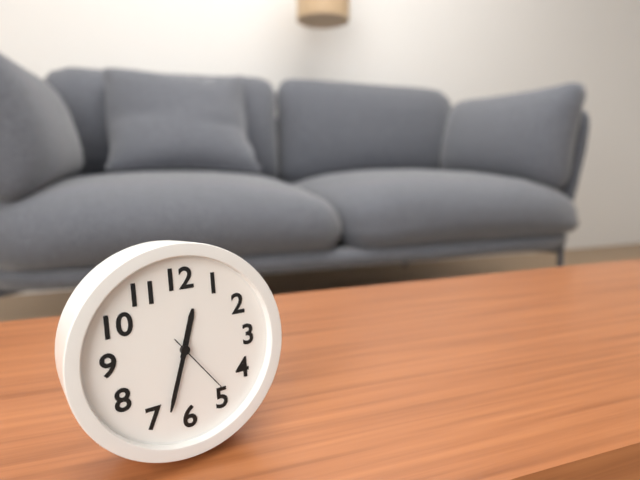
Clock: 12 h 33 min 24 s
